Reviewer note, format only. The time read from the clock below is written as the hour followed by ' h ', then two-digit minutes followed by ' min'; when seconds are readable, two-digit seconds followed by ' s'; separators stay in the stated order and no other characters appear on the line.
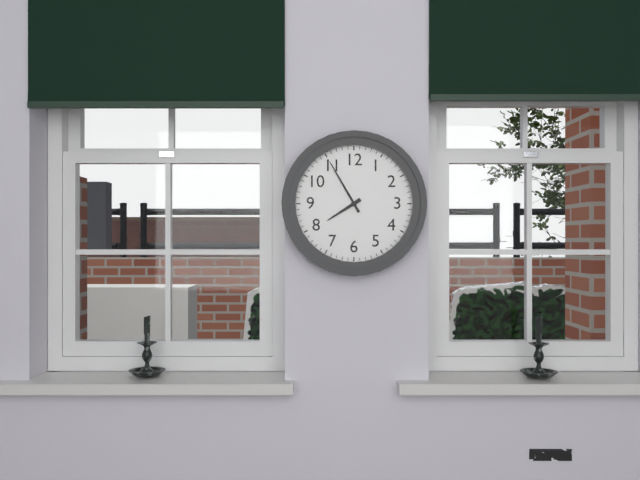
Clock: 7 h 55 min
